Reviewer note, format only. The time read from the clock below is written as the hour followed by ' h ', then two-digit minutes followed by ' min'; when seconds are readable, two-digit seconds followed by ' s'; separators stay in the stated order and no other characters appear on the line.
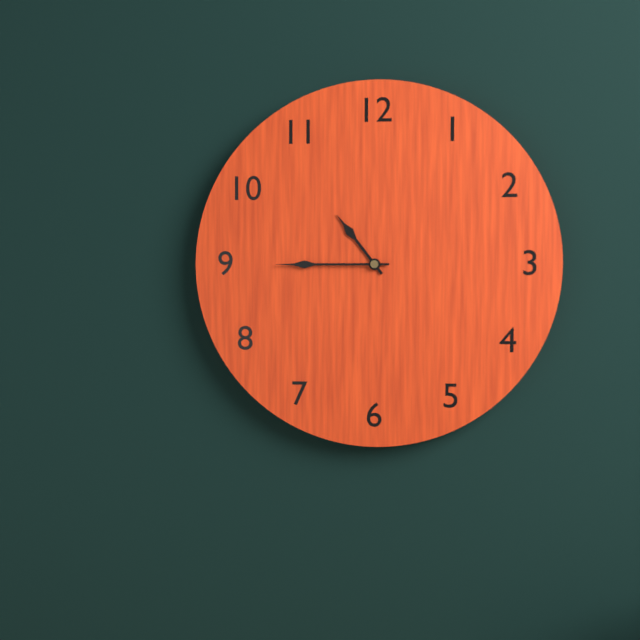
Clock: 10 h 45 min
